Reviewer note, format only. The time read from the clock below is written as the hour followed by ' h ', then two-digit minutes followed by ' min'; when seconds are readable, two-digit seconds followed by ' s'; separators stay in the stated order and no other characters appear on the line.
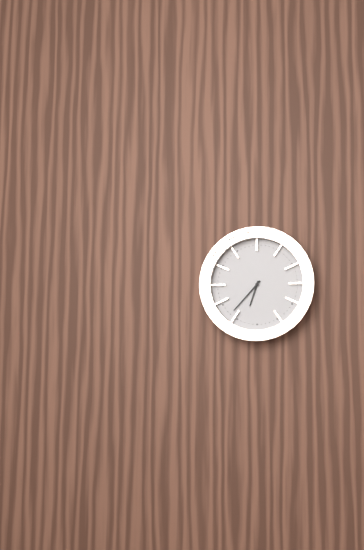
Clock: 6 h 37 min
